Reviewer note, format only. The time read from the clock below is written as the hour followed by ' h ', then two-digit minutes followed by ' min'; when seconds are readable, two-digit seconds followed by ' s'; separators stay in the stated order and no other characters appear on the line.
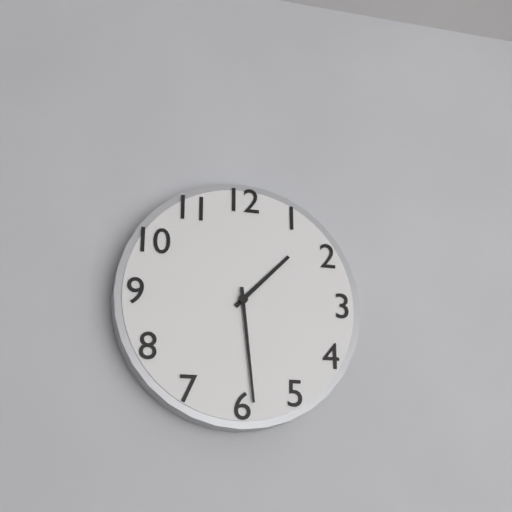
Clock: 1 h 29 min
